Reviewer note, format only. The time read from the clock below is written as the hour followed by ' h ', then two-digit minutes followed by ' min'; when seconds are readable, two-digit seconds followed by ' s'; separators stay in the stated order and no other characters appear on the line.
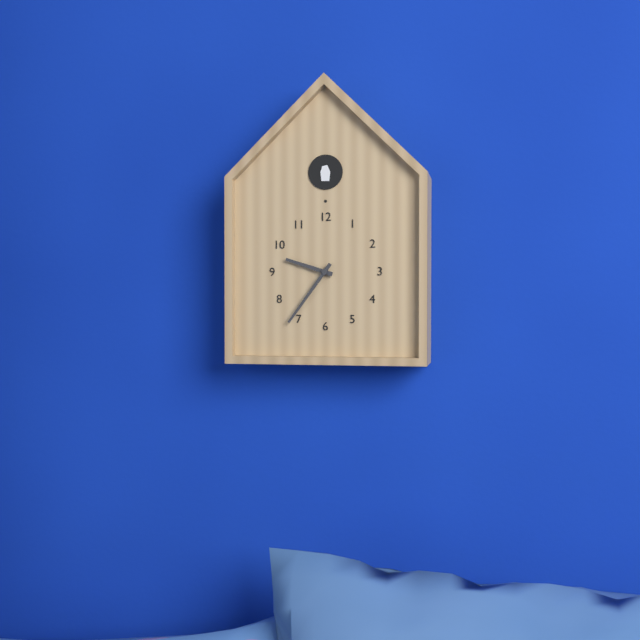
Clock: 9 h 36 min
